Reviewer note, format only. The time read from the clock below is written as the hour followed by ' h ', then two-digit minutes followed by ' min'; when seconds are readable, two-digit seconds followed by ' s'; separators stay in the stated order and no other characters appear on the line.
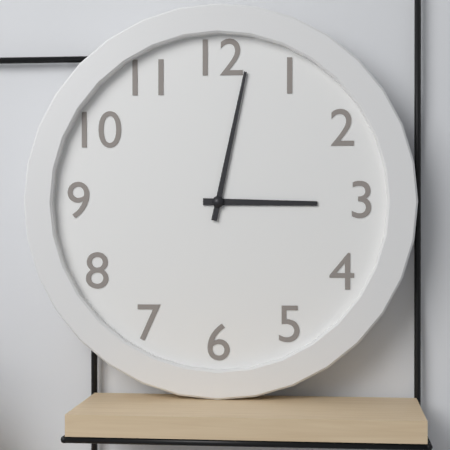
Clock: 3 h 02 min
